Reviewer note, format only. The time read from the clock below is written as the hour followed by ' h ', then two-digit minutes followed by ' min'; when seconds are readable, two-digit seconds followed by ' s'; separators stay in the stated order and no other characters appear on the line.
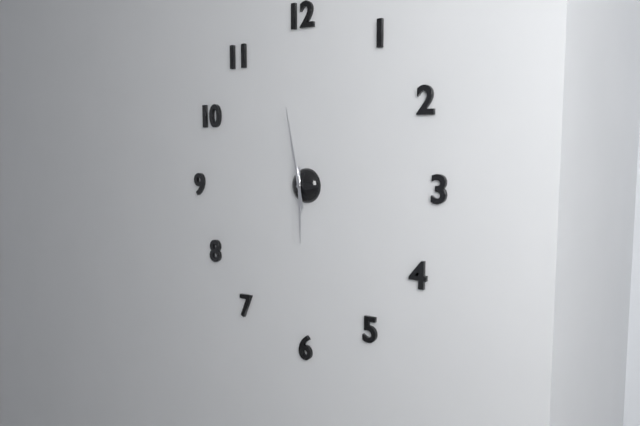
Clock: 5 h 58 min
